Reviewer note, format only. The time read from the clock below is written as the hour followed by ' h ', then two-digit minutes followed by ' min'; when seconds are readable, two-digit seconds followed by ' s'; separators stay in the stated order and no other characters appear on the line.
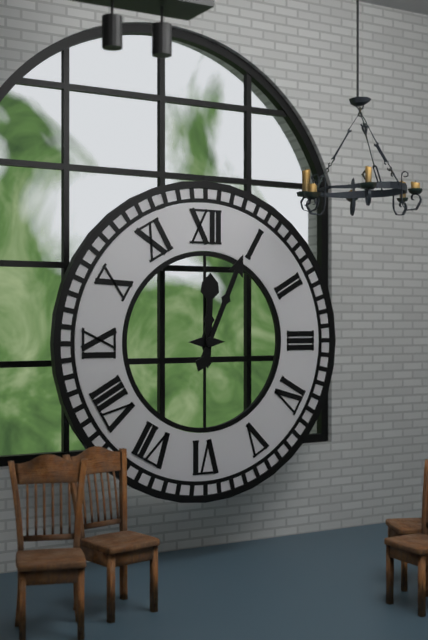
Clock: 12 h 04 min
